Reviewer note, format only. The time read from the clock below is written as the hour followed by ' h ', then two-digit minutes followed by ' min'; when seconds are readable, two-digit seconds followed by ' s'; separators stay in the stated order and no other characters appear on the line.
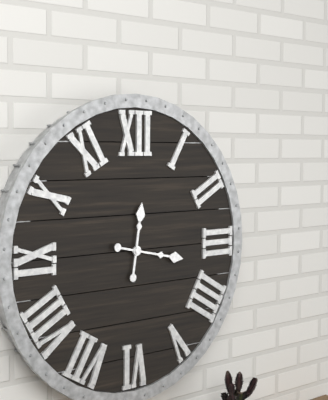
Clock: 12 h 17 min
